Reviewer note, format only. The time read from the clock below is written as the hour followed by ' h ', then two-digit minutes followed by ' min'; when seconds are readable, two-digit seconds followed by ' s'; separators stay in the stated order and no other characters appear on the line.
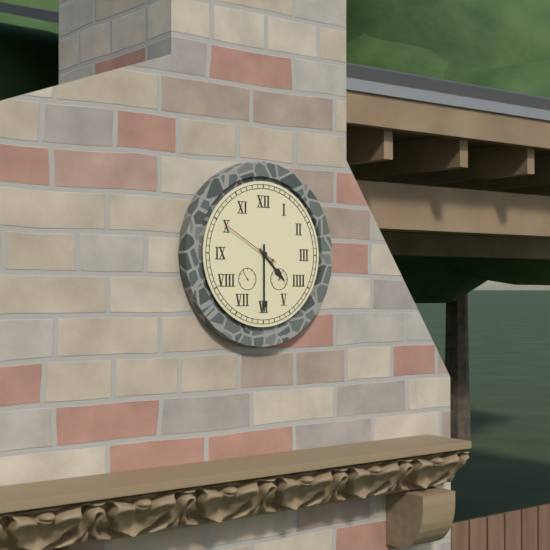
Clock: 4 h 30 min 50 s
